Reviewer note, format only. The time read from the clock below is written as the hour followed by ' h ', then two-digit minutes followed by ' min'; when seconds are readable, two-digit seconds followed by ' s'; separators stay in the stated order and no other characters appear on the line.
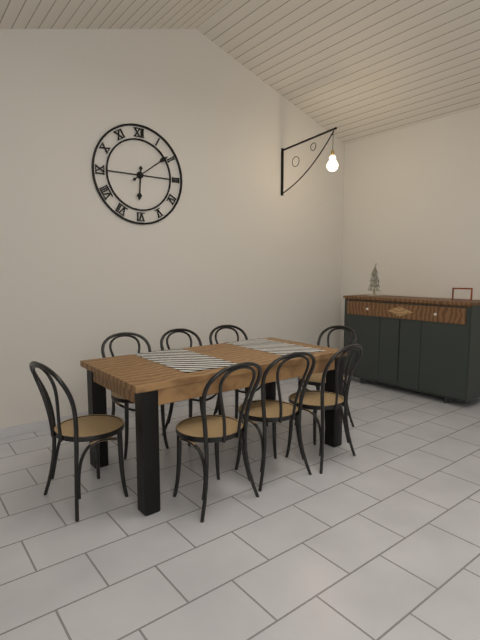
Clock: 6 h 09 min
